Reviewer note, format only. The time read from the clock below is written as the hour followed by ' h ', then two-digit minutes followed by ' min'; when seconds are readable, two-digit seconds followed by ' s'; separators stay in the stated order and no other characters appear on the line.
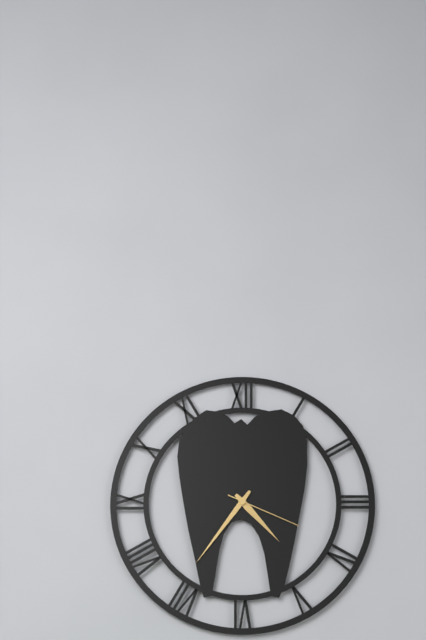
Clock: 4 h 36 min 19 s
